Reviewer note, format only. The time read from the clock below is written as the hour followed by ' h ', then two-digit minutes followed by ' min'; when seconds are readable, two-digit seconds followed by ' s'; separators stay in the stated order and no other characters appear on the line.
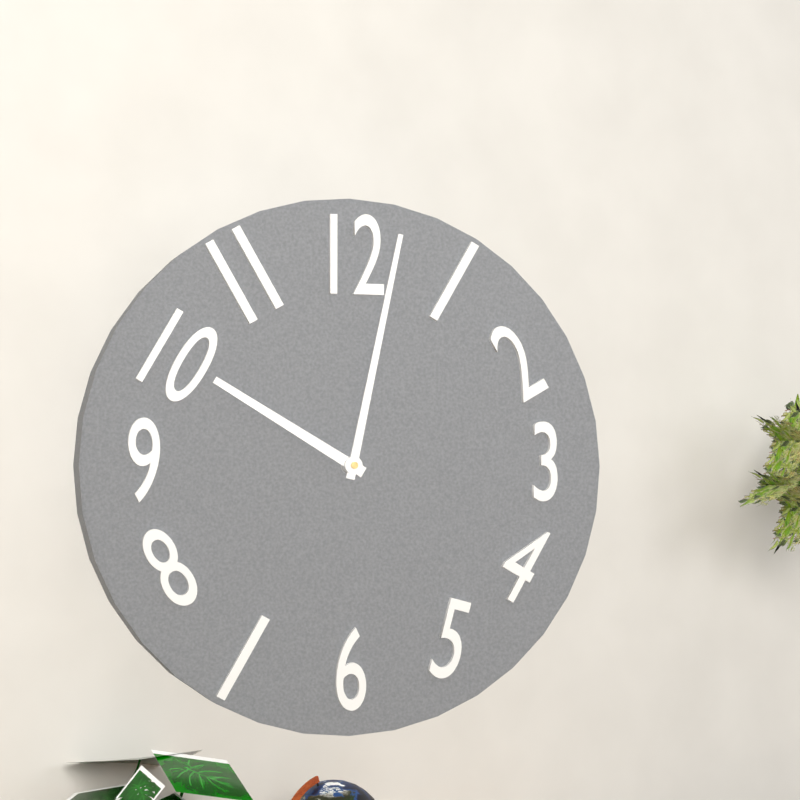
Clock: 10 h 02 min
